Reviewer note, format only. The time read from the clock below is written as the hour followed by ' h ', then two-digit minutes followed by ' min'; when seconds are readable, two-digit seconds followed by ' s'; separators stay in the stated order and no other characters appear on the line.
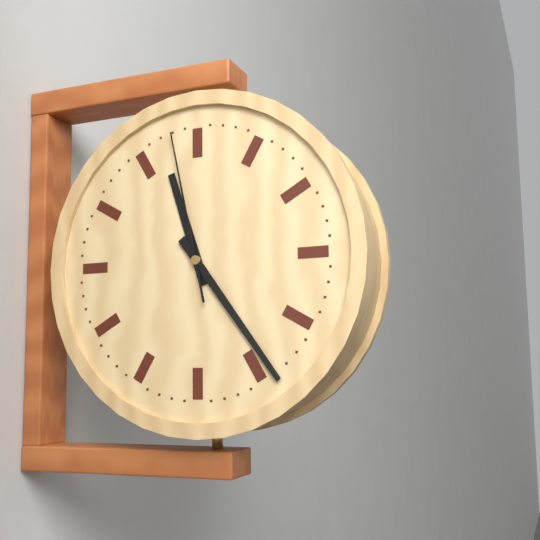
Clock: 11 h 24 min 58 s
